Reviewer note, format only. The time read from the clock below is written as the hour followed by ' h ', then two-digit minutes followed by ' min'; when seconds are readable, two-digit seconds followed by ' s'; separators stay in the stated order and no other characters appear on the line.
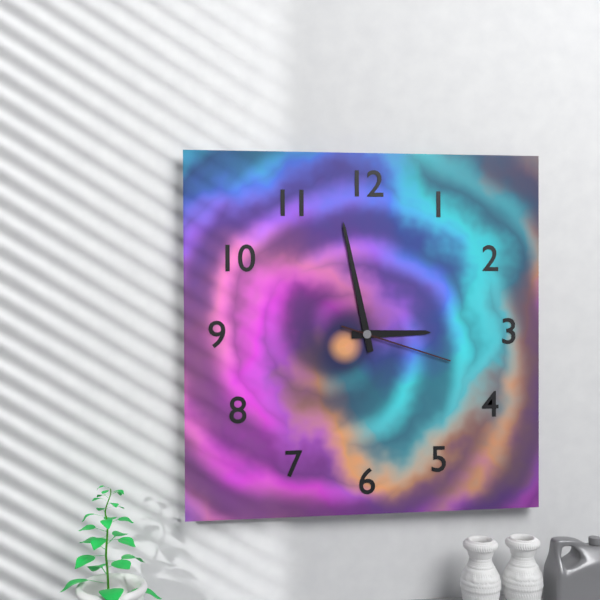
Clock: 2 h 58 min 18 s
